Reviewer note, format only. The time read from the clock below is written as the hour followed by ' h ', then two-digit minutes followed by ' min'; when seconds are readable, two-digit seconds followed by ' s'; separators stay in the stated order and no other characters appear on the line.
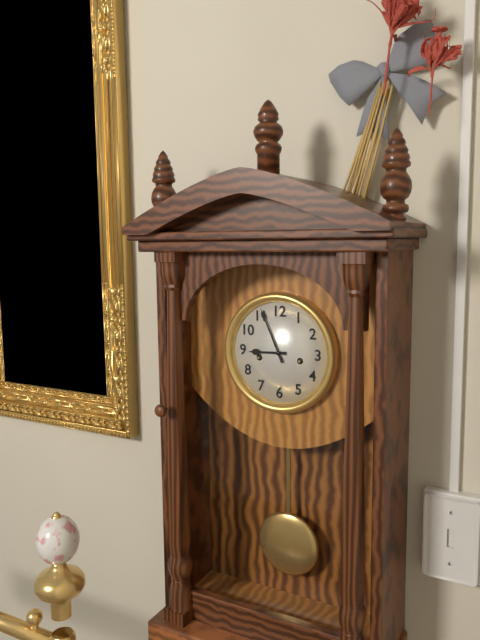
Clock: 8 h 56 min
